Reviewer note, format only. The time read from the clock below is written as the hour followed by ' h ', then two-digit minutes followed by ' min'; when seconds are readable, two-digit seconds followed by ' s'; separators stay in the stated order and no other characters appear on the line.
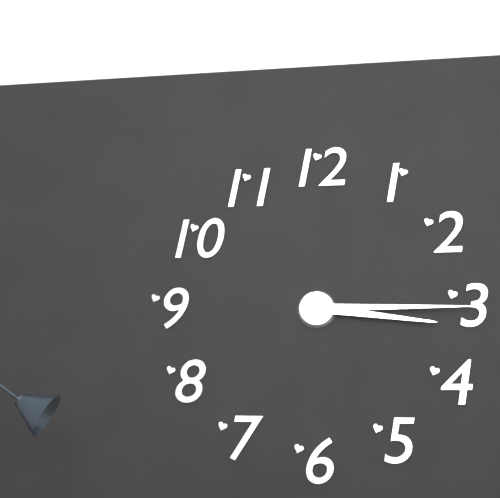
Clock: 3 h 15 min
